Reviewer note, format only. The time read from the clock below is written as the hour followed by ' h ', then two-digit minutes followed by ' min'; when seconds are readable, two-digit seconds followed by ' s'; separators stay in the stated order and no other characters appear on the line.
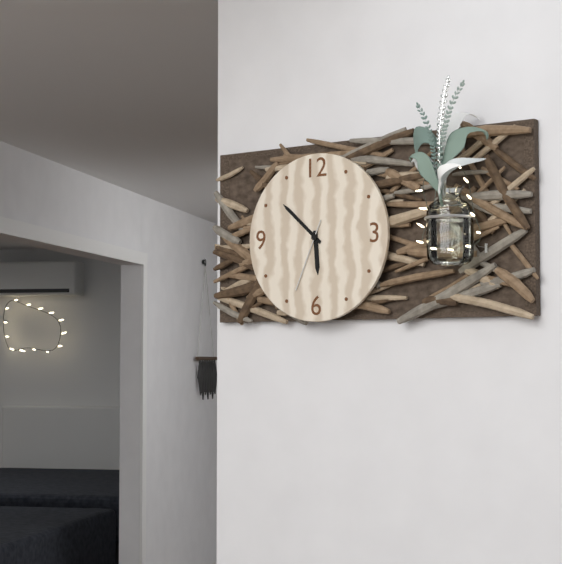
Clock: 5 h 52 min 34 s
